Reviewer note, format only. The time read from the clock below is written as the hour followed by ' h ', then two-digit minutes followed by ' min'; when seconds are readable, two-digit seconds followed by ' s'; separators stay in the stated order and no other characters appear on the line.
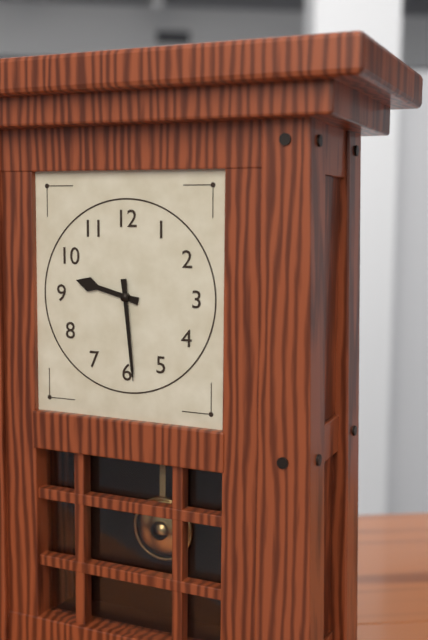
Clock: 9 h 29 min
